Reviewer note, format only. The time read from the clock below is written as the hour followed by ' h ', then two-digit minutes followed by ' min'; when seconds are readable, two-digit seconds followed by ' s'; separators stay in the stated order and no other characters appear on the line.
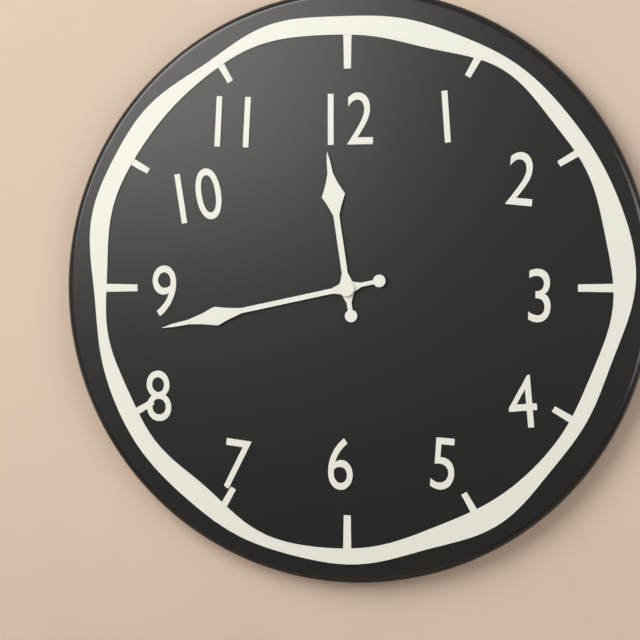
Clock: 11 h 43 min
